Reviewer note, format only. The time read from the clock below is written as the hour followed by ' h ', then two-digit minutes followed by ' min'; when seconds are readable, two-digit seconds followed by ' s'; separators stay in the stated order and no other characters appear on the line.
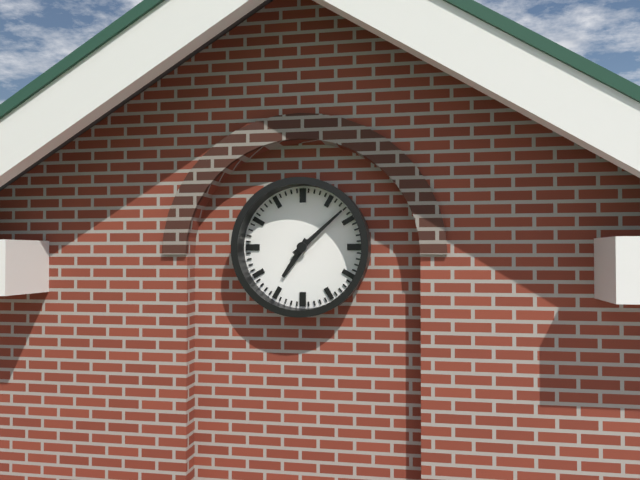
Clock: 7 h 08 min
